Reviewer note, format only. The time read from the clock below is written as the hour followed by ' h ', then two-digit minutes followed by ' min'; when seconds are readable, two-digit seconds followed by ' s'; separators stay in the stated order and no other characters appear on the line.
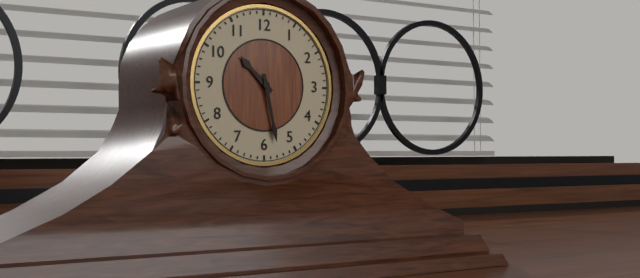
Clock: 10 h 28 min
